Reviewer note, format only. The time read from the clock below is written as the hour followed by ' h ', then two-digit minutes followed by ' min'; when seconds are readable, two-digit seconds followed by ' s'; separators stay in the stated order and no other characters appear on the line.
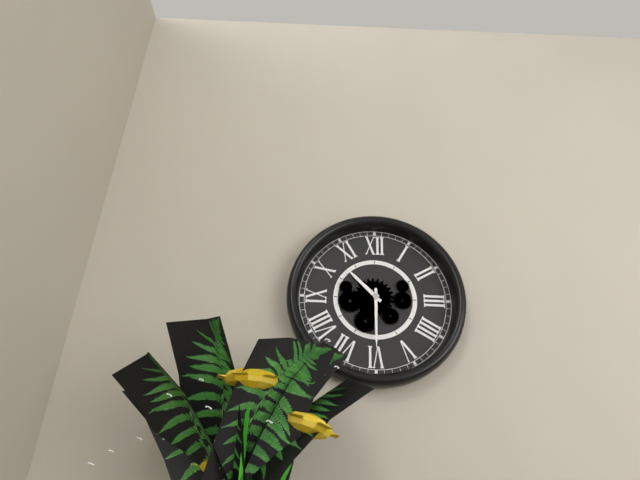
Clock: 10 h 30 min
